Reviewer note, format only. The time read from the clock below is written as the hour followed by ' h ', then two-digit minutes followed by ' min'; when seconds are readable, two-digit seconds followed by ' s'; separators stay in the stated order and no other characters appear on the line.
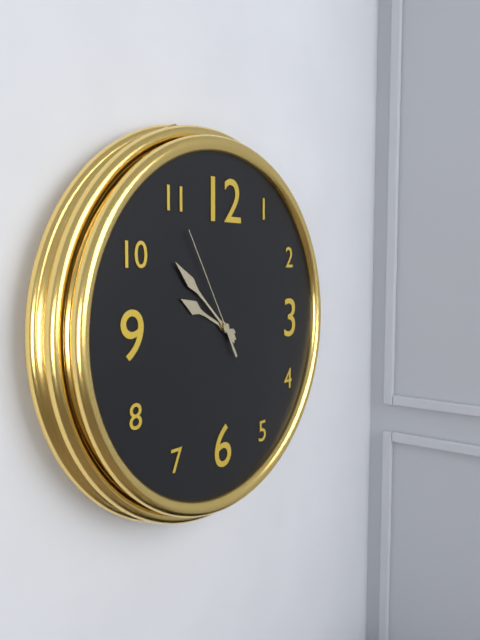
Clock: 9 h 52 min 55 s
